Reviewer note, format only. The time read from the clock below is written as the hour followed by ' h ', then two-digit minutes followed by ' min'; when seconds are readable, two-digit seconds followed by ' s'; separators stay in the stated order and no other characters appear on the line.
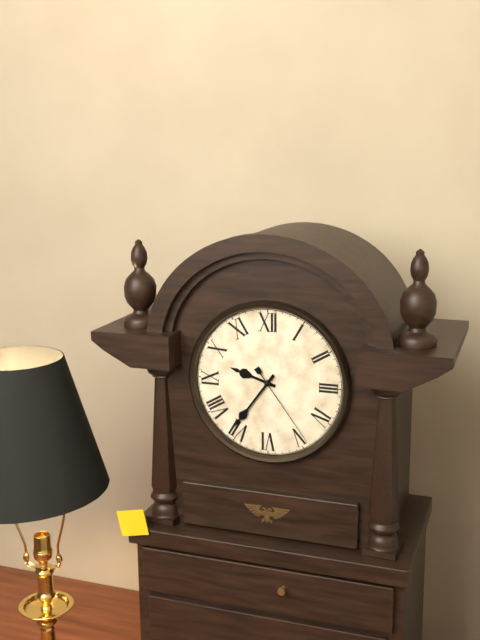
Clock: 9 h 36 min 24 s
